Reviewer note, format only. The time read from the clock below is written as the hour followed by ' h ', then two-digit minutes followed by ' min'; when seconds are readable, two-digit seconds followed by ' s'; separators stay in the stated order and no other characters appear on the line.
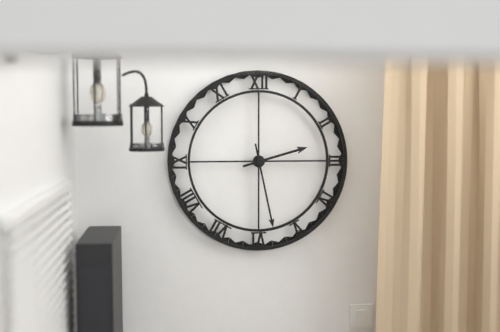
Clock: 2 h 28 min
